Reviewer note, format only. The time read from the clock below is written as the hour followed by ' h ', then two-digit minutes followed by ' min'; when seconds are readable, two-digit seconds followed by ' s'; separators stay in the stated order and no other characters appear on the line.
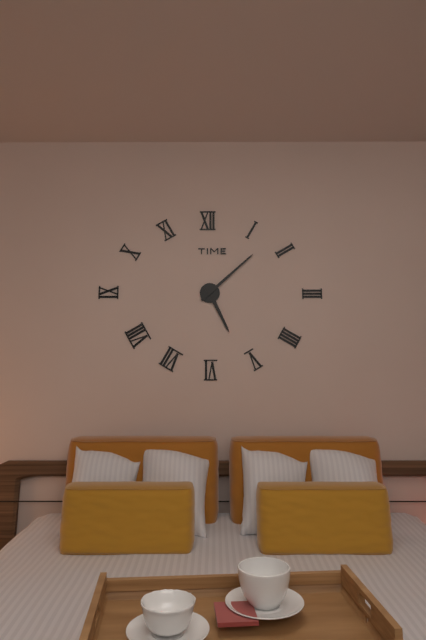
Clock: 5 h 08 min
